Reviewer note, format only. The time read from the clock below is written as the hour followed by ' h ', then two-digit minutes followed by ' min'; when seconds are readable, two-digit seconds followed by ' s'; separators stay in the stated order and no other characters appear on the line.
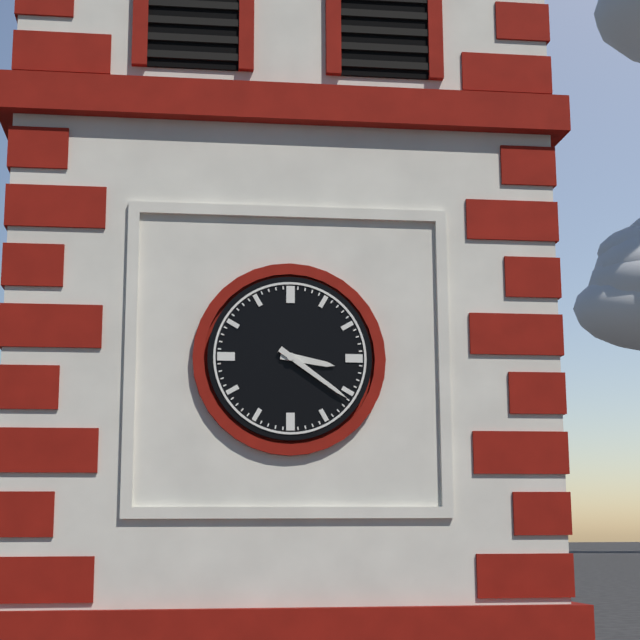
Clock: 3 h 21 min
